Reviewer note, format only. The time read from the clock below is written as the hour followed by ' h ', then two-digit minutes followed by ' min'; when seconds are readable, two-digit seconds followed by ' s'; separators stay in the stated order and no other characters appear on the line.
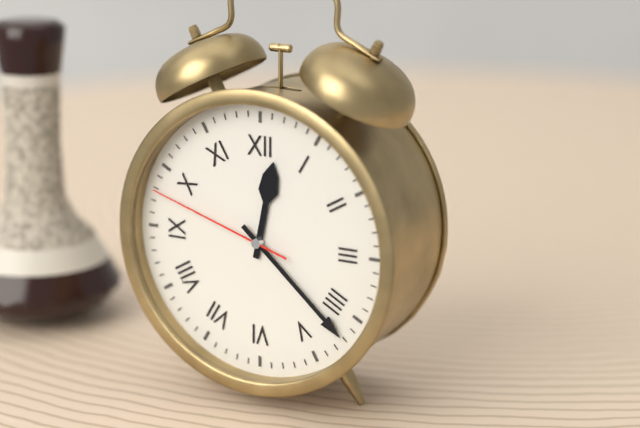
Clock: 12 h 22 min 48 s
